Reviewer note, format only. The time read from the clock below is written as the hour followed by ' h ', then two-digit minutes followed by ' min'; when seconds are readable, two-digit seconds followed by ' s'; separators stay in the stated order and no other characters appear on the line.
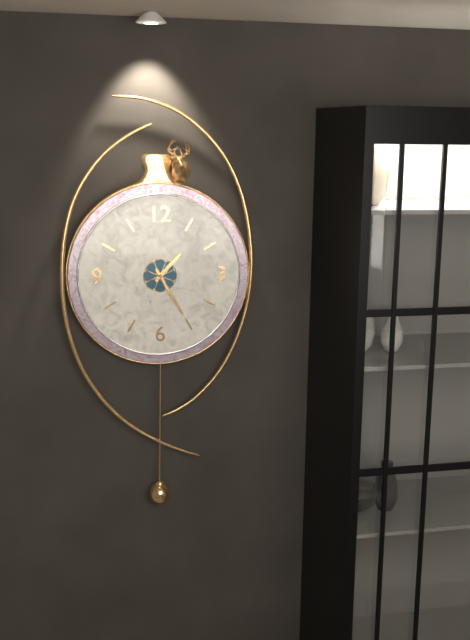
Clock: 1 h 25 min
